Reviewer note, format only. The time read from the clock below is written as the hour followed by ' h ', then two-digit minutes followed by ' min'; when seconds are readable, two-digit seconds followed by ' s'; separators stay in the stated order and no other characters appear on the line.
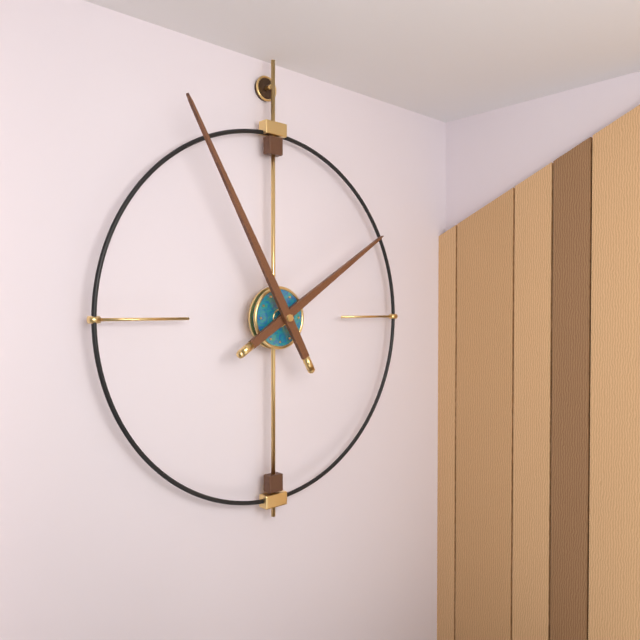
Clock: 1 h 55 min
